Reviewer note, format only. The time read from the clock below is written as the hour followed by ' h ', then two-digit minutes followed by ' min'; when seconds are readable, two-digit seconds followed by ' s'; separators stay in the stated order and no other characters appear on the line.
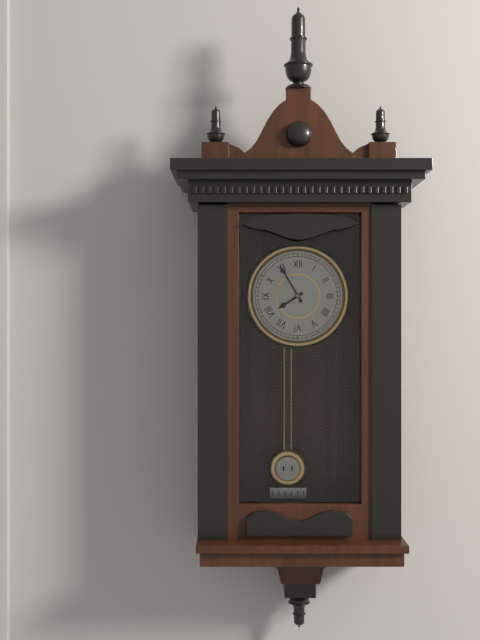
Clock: 7 h 55 min
